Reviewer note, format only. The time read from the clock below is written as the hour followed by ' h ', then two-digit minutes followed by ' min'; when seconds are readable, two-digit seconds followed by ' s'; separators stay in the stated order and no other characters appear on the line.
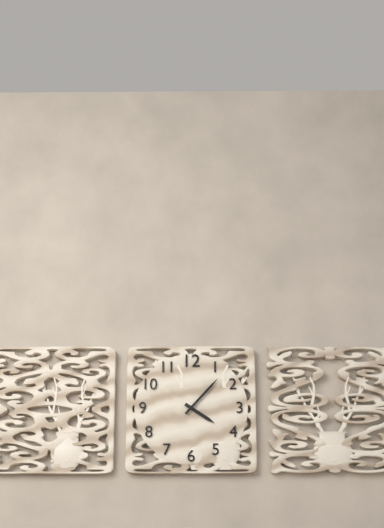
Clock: 4 h 07 min
